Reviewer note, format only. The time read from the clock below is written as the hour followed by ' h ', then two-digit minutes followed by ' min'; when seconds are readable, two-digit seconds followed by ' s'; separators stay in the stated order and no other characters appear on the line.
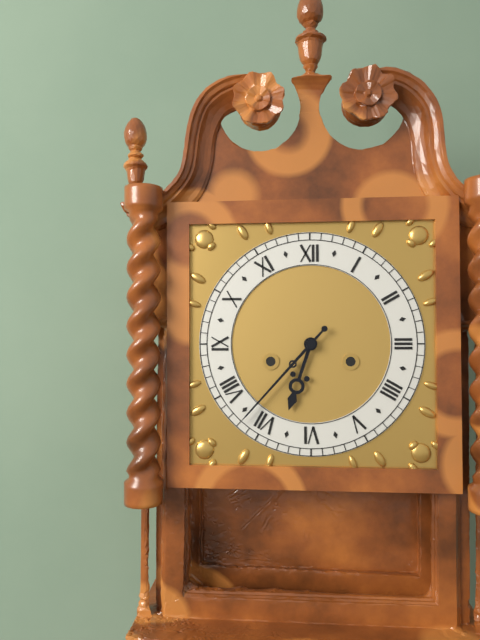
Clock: 6 h 37 min
